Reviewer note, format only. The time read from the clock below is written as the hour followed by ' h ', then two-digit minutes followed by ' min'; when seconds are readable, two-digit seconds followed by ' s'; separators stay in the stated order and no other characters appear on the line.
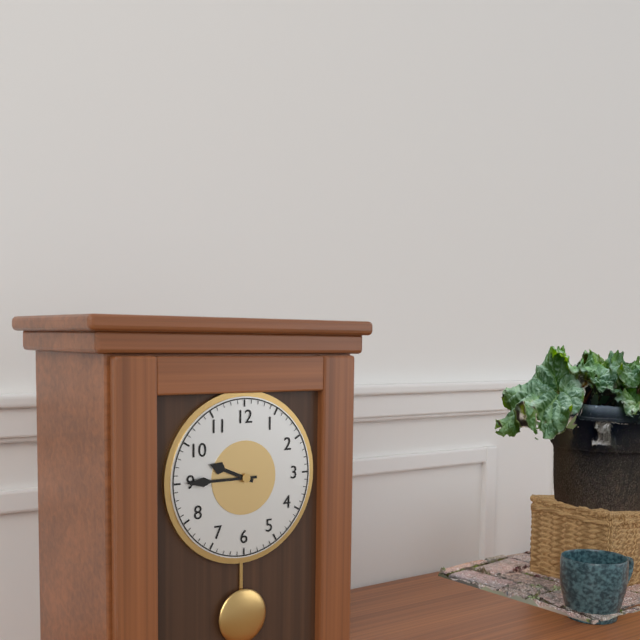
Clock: 9 h 45 min
